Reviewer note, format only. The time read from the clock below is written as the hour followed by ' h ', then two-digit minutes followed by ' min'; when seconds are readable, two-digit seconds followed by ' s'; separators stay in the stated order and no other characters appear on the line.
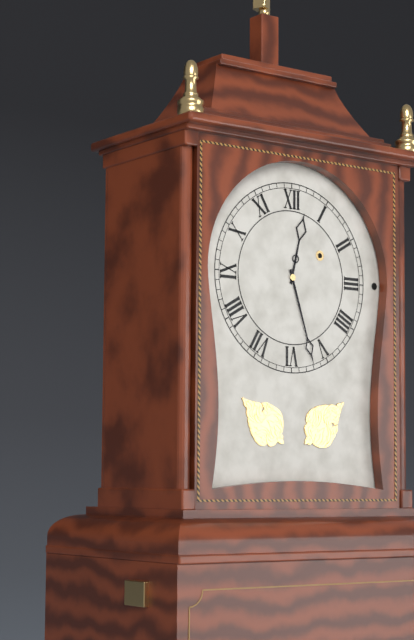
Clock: 12 h 27 min
